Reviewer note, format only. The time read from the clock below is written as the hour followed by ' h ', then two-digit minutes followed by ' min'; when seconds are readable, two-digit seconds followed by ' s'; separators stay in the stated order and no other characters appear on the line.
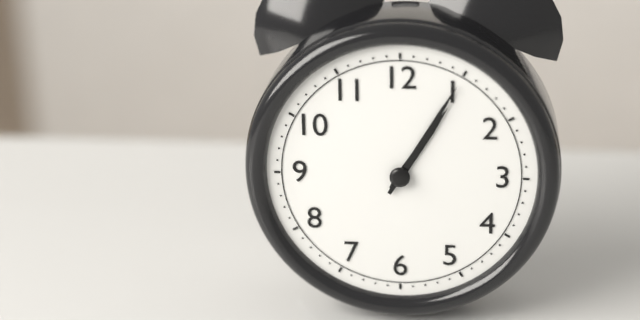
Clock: 1 h 05 min
